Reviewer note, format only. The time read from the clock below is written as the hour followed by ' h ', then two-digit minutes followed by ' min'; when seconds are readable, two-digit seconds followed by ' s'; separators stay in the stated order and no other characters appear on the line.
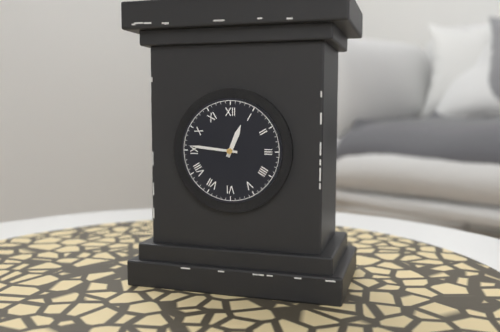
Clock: 12 h 46 min
